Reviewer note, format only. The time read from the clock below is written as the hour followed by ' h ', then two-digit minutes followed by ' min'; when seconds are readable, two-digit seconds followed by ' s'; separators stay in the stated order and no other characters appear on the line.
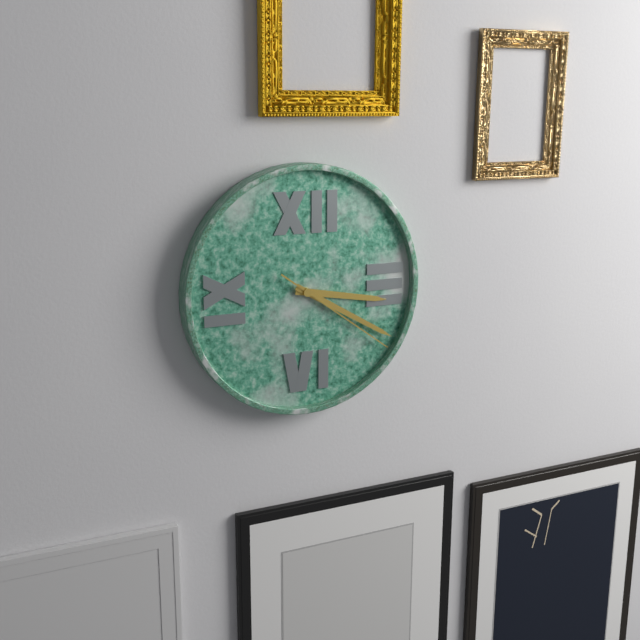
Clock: 3 h 20 min 21 s
